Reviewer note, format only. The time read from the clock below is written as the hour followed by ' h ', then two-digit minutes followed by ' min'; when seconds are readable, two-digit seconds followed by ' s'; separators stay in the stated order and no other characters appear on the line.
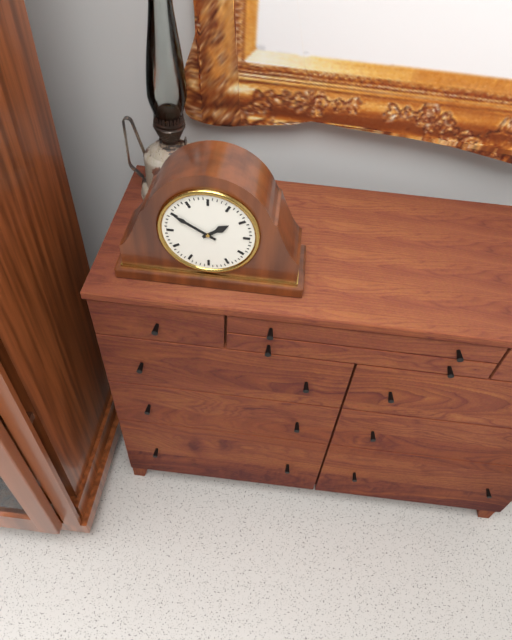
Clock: 1 h 50 min
